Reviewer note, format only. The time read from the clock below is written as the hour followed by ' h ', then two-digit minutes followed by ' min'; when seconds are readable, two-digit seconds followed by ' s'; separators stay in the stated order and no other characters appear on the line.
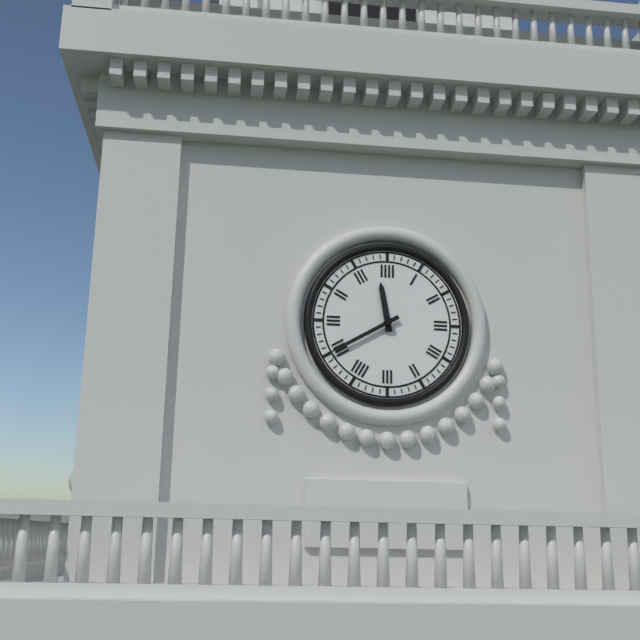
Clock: 11 h 40 min
